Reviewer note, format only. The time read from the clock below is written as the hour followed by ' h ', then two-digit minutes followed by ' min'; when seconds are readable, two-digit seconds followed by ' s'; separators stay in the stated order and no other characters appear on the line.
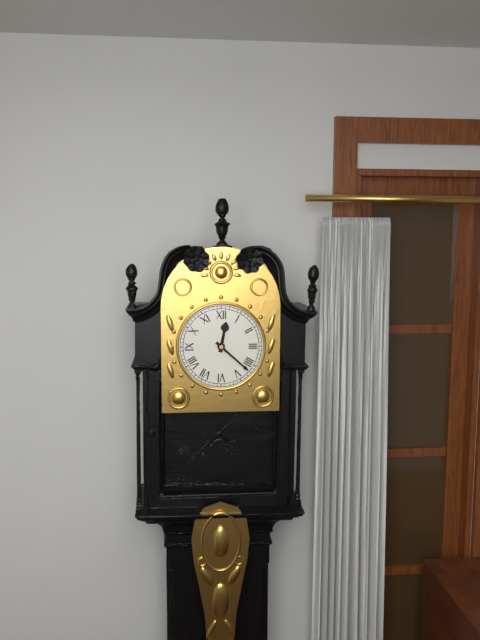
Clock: 12 h 22 min
